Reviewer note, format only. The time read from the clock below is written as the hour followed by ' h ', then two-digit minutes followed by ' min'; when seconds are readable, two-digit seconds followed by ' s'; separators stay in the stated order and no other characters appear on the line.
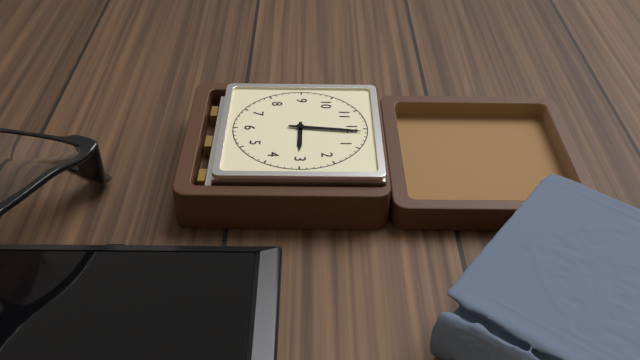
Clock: 3 h 01 min
